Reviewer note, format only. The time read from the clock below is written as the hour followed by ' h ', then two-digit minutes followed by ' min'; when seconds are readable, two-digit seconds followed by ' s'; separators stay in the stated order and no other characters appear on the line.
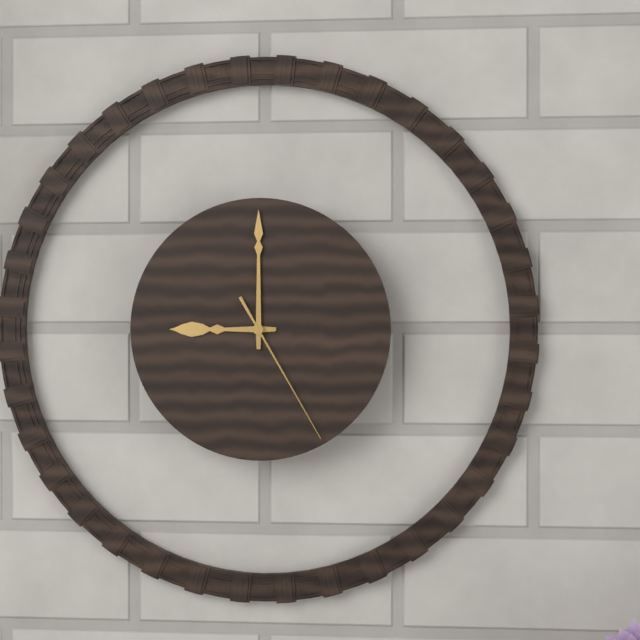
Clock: 9 h 00 min 25 s
